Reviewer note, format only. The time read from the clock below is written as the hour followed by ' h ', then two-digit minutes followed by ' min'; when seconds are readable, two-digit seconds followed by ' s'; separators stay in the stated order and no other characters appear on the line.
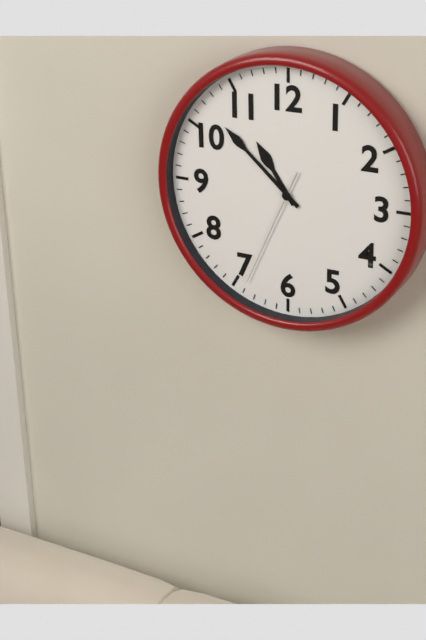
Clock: 10 h 52 min 34 s
